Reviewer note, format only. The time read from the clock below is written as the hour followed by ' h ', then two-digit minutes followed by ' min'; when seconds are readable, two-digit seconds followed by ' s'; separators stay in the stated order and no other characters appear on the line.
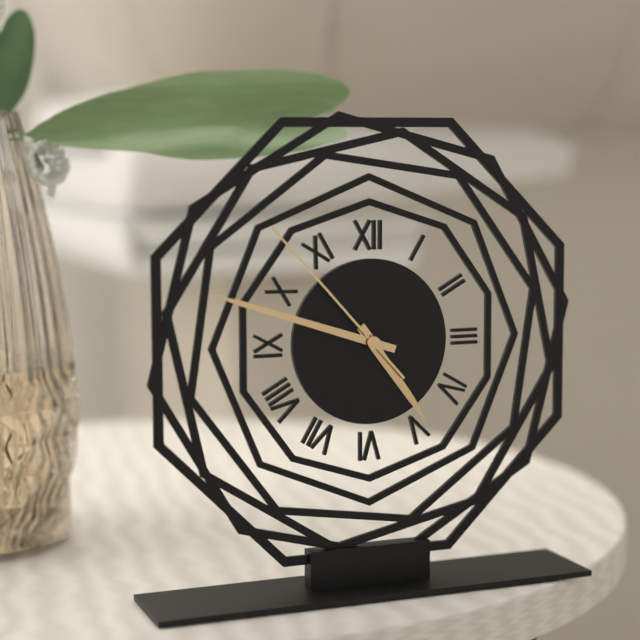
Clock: 4 h 48 min 53 s
